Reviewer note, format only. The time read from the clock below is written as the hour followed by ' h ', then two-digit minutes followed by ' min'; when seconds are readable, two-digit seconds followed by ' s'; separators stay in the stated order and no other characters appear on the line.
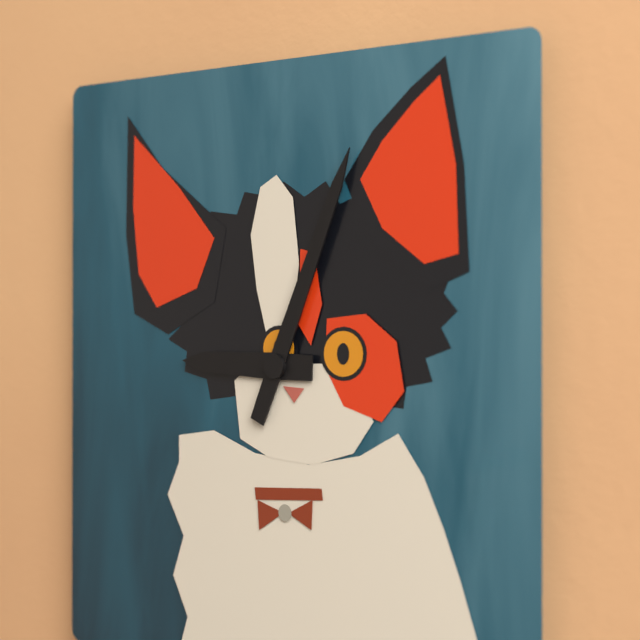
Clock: 9 h 04 min
